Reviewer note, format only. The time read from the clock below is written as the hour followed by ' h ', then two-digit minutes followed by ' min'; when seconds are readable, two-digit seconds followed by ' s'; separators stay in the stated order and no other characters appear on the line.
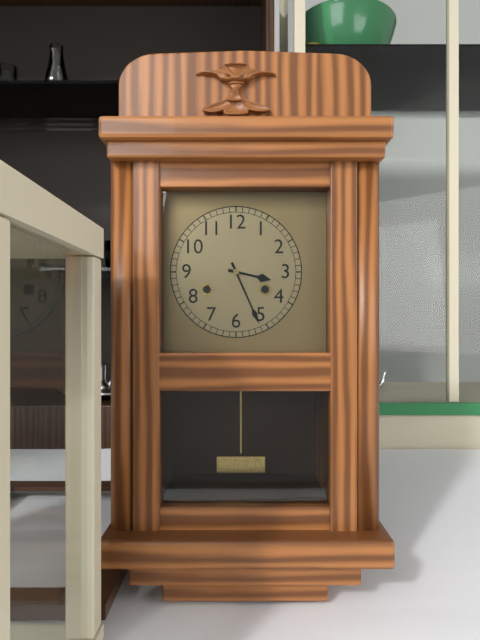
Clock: 3 h 26 min
